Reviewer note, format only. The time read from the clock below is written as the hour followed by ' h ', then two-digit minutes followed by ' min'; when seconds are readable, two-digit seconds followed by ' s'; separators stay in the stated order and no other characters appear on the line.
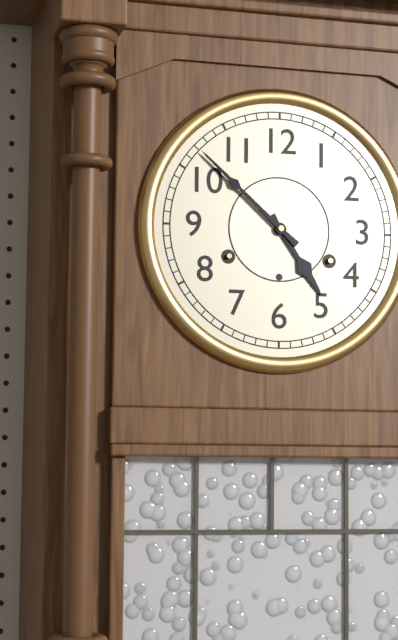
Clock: 4 h 52 min
